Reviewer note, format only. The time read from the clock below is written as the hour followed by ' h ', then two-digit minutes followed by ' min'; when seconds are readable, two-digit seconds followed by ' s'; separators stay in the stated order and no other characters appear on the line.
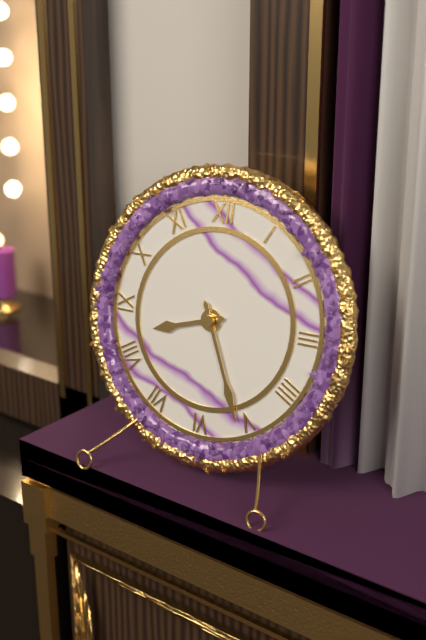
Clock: 8 h 26 min
